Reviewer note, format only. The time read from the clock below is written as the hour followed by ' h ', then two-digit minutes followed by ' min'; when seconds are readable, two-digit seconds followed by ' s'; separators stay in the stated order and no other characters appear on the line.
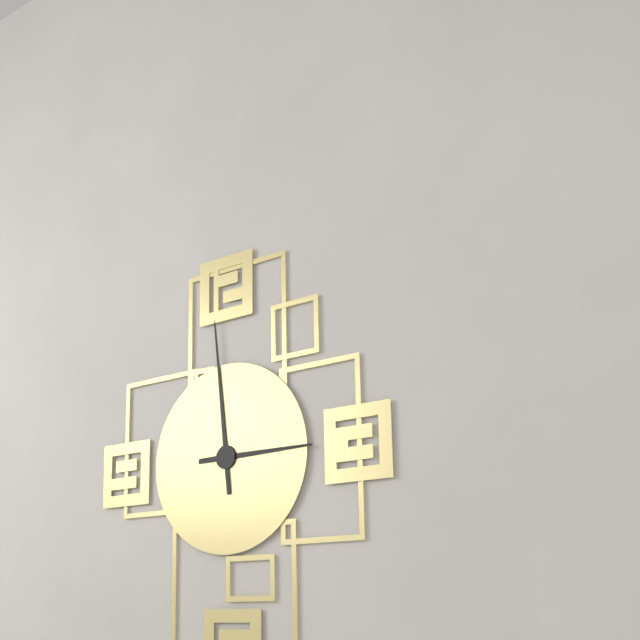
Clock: 2 h 59 min
